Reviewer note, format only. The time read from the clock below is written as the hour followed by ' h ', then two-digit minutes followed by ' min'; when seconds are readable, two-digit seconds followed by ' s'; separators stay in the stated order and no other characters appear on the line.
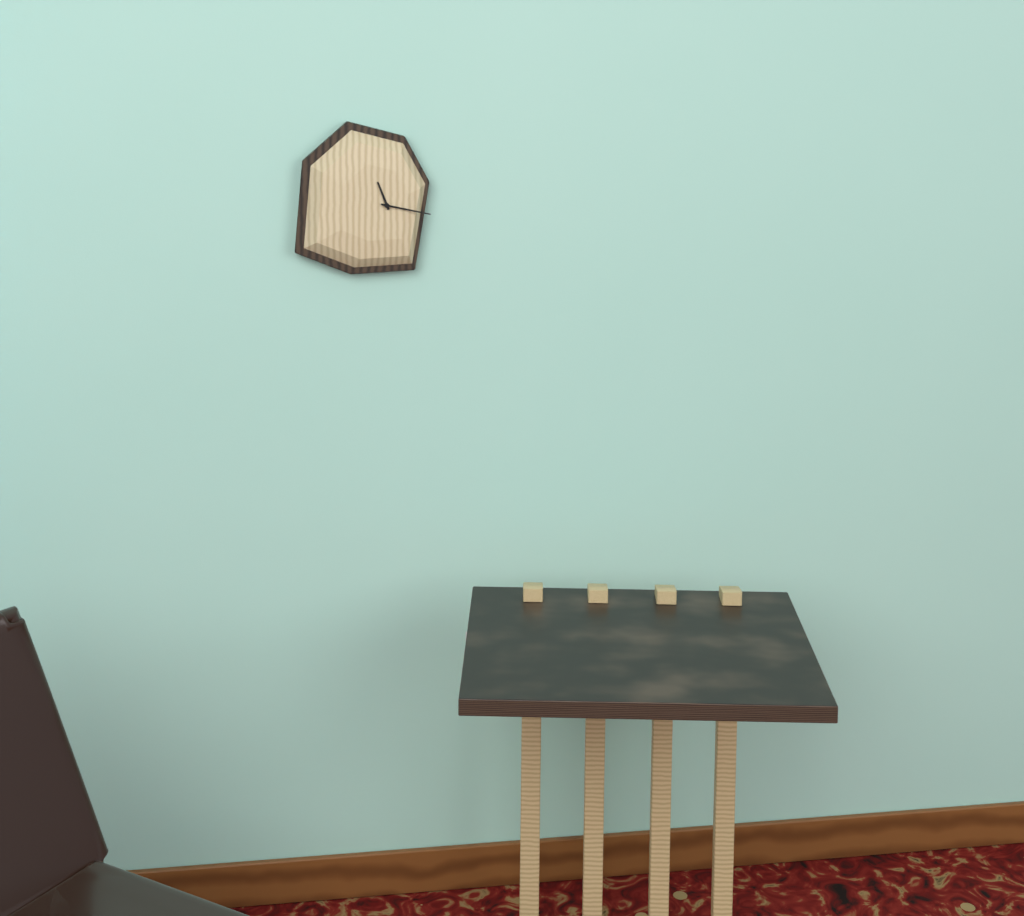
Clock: 11 h 17 min
